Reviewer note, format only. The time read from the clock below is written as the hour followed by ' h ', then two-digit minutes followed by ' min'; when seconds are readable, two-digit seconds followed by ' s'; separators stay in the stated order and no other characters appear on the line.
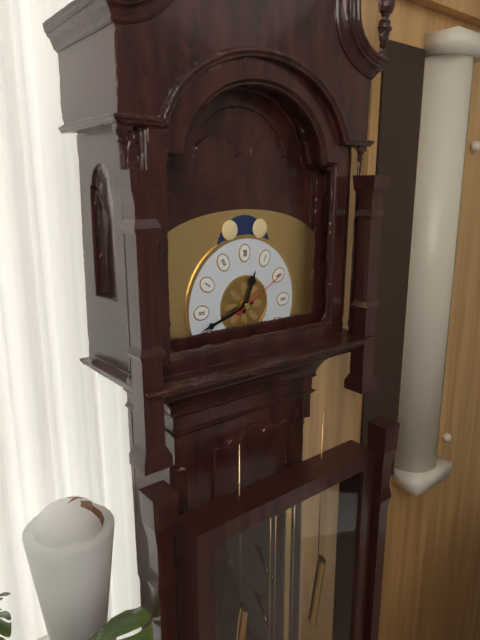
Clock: 12 h 42 min 10 s
